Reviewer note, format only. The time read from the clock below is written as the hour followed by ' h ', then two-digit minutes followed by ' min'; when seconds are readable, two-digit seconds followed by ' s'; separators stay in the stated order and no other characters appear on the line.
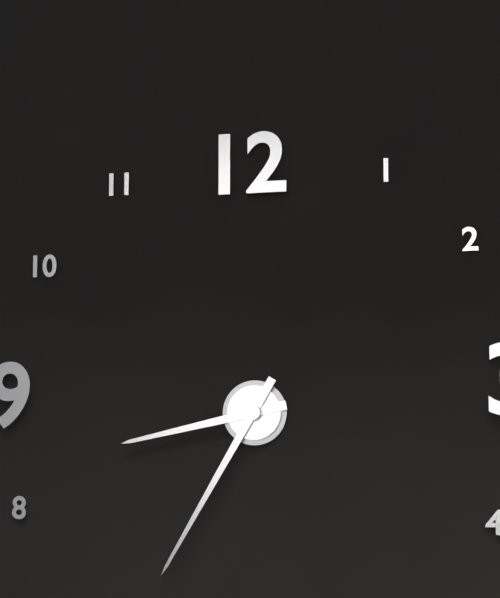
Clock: 8 h 35 min
